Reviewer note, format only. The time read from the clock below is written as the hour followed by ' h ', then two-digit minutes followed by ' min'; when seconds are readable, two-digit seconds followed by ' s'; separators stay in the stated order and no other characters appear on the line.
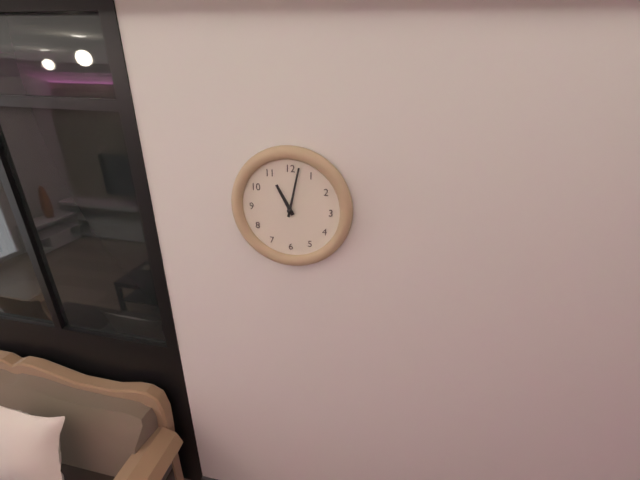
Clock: 11 h 02 min
